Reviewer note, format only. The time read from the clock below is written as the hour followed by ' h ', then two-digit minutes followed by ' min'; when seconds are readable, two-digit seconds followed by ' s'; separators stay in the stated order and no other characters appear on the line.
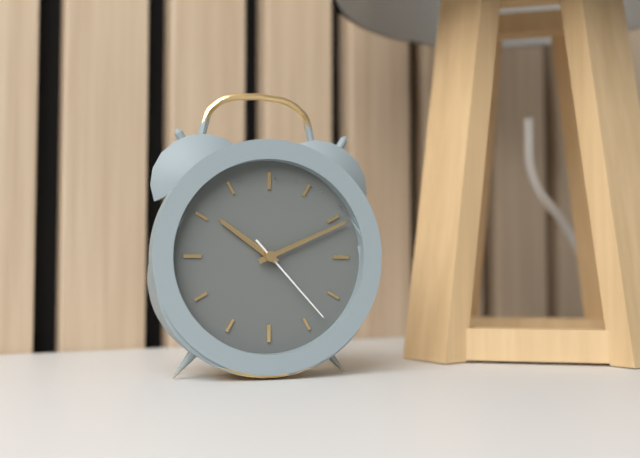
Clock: 10 h 11 min 23 s
